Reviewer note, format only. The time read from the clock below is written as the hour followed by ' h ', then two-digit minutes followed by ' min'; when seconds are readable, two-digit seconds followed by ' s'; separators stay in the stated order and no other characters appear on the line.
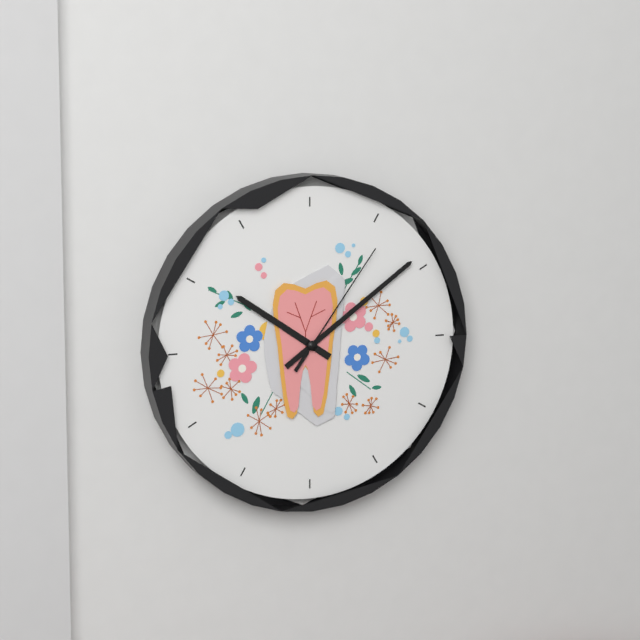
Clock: 10 h 09 min 06 s
